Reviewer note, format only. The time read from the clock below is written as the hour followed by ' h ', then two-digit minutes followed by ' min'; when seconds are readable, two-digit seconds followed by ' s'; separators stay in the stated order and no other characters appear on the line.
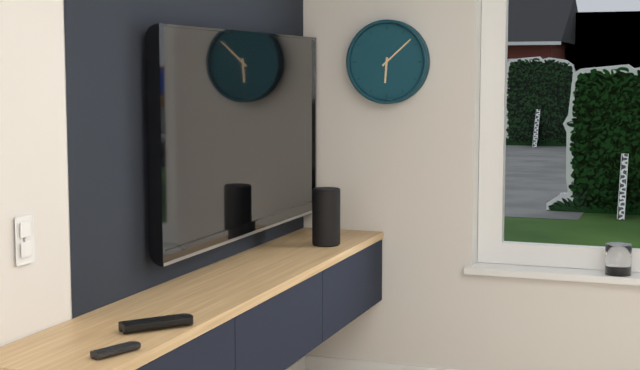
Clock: 6 h 08 min
